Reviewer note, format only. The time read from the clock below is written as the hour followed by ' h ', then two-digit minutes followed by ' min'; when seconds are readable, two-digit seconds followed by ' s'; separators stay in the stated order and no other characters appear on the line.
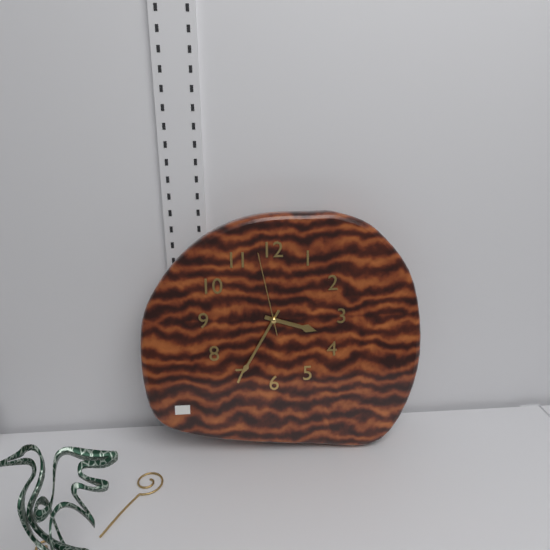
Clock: 3 h 35 min 58 s
